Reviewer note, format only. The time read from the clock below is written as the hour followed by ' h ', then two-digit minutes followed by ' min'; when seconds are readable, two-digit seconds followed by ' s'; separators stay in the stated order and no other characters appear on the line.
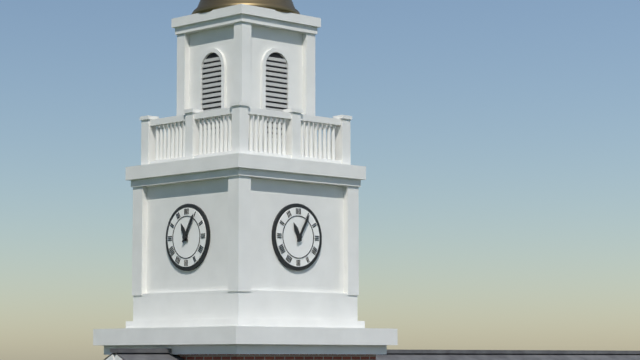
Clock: 11 h 05 min
